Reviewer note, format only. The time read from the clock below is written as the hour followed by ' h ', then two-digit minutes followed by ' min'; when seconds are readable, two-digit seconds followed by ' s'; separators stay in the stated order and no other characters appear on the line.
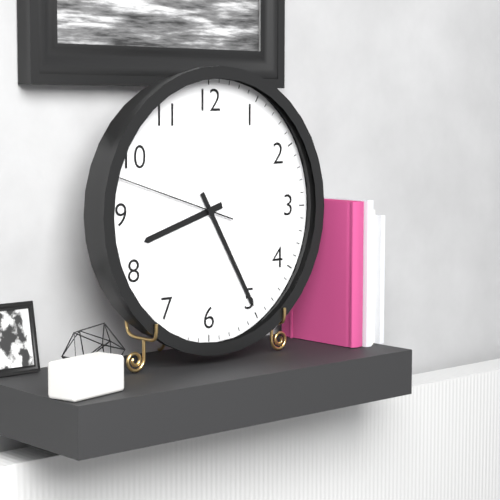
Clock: 8 h 25 min 48 s
